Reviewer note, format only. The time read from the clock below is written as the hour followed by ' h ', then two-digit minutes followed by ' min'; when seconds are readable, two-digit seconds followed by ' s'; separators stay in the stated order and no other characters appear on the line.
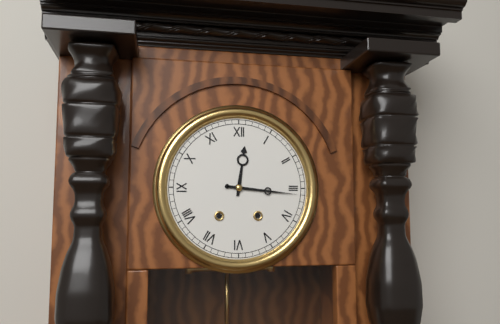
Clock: 12 h 16 min
